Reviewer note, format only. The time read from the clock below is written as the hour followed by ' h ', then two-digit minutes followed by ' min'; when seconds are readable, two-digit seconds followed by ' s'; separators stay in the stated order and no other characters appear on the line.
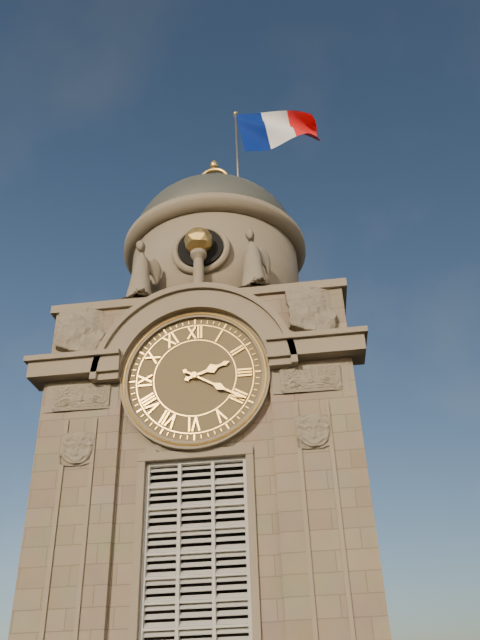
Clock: 2 h 20 min
